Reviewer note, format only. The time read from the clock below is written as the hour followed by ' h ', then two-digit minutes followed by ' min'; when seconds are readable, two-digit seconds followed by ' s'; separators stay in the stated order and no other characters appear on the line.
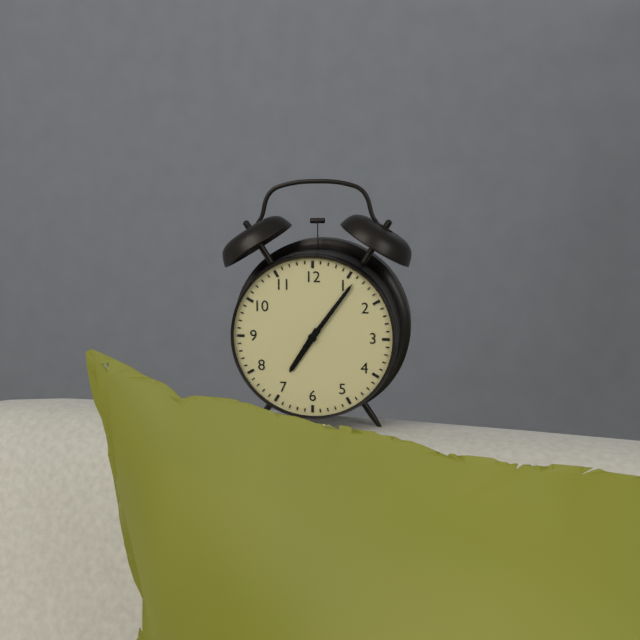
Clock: 7 h 06 min
